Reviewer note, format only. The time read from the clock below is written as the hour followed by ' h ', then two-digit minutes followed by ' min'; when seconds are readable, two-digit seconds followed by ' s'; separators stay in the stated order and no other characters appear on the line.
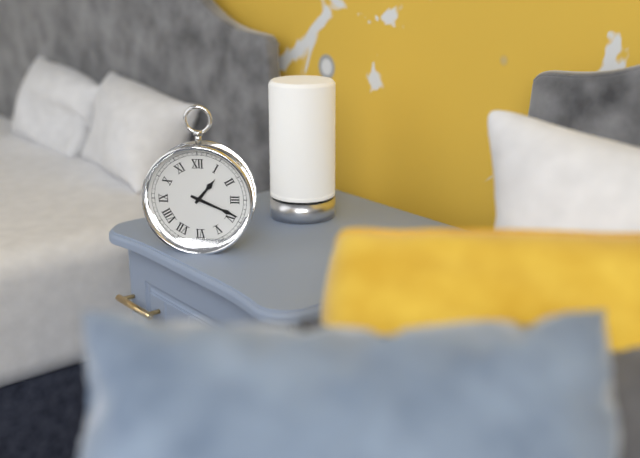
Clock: 1 h 19 min
